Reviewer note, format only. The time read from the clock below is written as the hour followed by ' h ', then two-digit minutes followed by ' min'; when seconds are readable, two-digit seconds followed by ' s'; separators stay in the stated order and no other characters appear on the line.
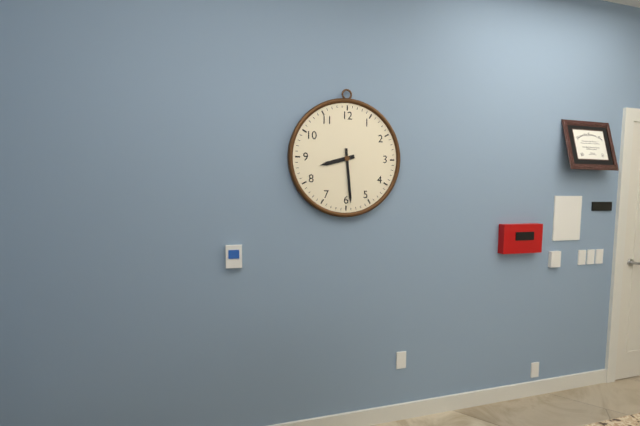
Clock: 8 h 29 min
